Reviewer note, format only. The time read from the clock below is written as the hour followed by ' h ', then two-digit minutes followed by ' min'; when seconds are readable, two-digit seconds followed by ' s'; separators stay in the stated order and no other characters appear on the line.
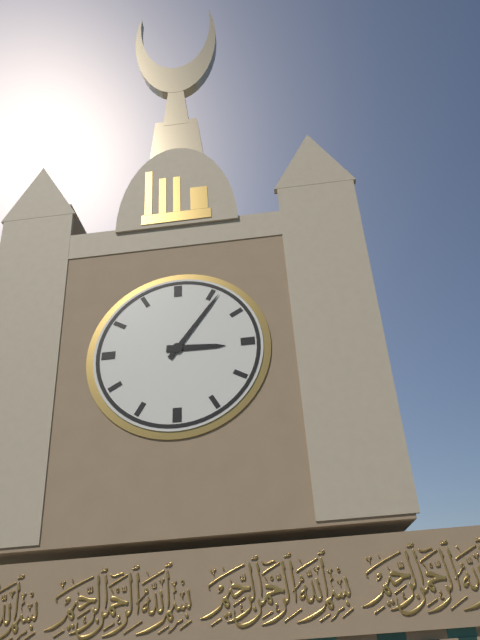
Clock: 3 h 06 min
